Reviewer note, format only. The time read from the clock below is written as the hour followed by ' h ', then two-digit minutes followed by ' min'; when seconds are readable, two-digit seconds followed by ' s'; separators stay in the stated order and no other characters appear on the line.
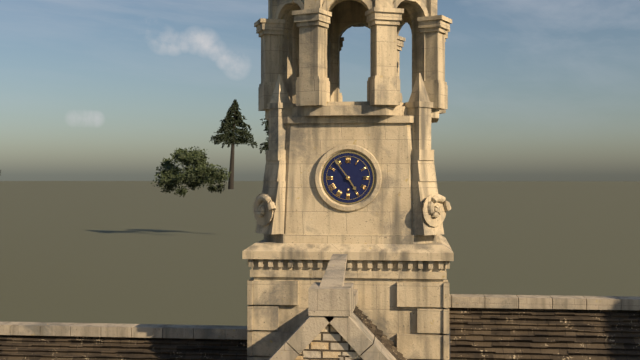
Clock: 4 h 54 min
